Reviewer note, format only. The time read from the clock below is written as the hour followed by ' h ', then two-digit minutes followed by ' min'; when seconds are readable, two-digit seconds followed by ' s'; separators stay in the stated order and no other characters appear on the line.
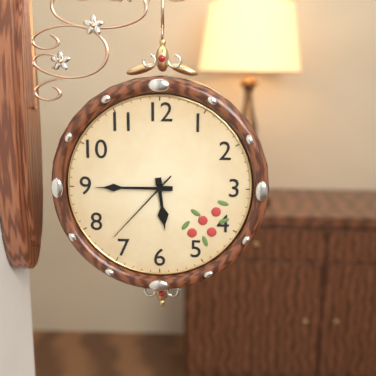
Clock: 5 h 45 min 37 s
